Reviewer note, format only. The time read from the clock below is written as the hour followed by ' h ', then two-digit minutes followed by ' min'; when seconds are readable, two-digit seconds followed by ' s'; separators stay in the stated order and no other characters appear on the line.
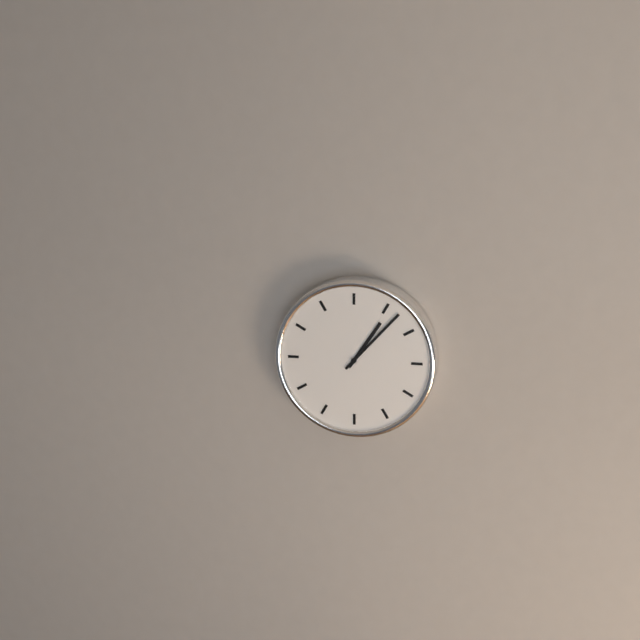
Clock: 1 h 07 min
